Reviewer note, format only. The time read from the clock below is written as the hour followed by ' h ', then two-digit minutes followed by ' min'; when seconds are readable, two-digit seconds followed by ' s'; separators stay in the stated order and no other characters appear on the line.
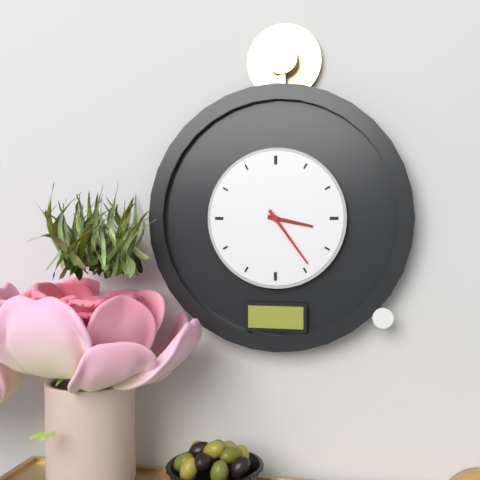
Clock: 3 h 24 min
